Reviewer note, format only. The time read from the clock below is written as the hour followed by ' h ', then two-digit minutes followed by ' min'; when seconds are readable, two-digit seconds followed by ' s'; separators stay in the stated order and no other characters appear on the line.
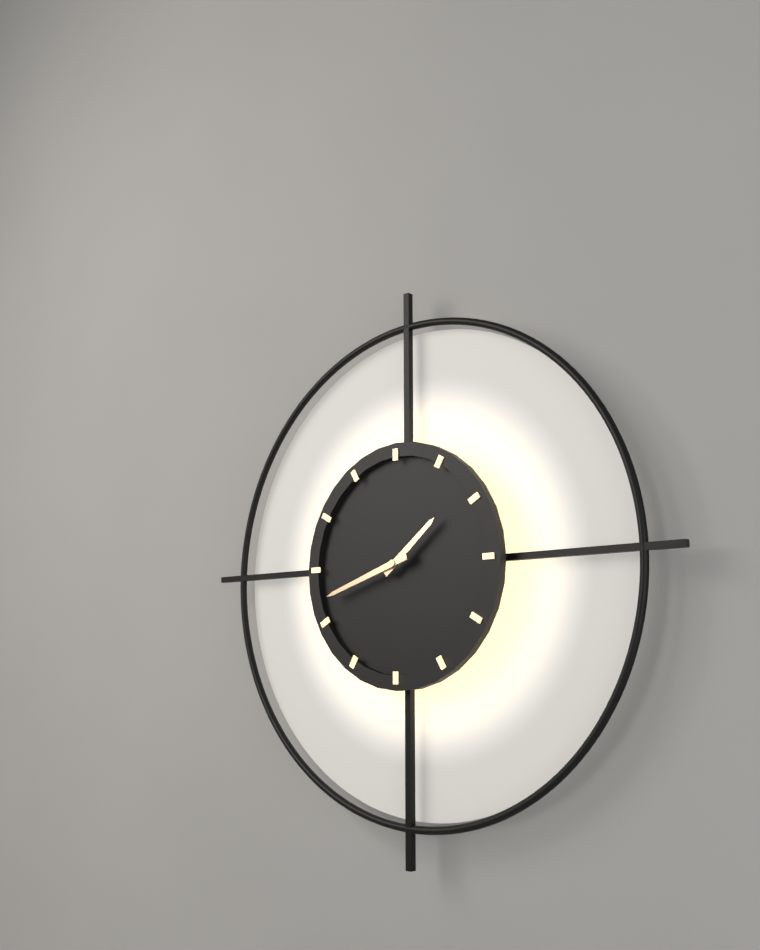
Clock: 1 h 42 min
